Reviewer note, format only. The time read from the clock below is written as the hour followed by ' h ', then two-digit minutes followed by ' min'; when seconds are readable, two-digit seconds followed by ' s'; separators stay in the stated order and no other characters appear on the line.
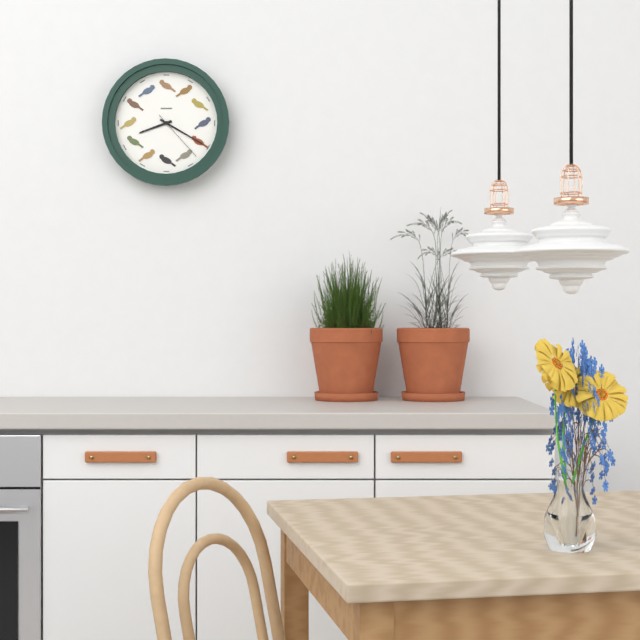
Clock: 8 h 20 min 23 s
